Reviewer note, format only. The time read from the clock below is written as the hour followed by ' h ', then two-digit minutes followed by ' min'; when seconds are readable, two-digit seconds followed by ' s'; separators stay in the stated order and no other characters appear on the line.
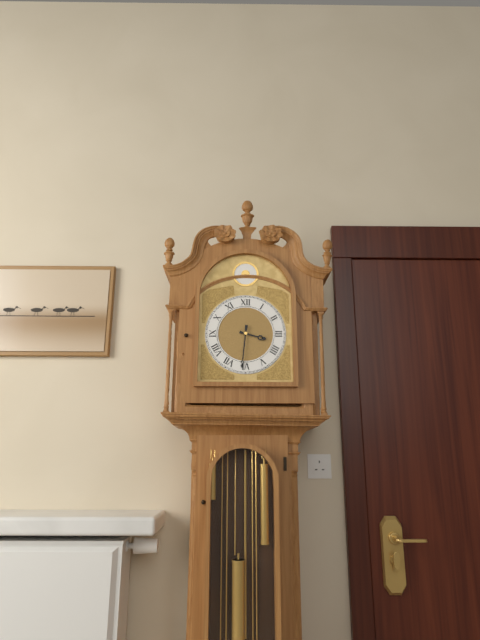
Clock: 3 h 31 min
